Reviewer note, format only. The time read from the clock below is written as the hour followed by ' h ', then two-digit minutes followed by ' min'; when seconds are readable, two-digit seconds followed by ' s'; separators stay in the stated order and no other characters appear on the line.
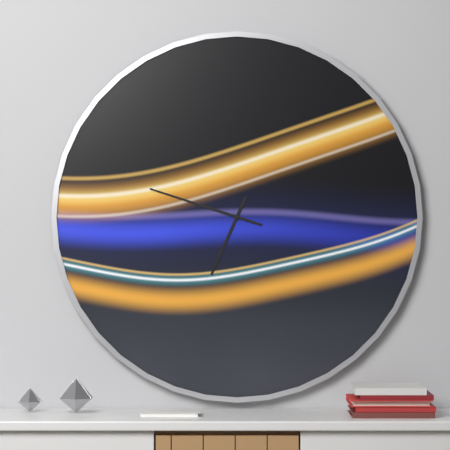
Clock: 6 h 48 min
